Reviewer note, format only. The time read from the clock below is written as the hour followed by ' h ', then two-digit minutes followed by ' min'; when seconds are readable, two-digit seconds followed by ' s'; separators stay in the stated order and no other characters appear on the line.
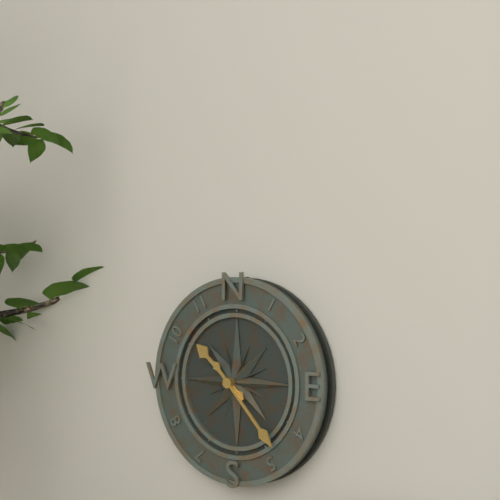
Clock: 10 h 23 min
